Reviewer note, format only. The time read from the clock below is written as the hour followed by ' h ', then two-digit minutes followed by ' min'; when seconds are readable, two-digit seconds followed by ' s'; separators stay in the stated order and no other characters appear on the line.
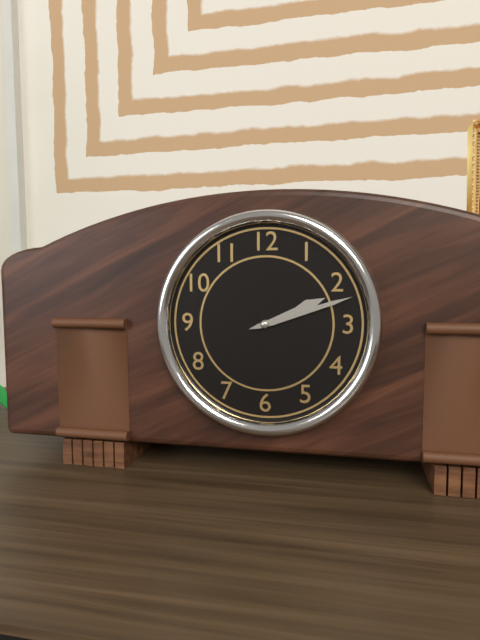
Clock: 2 h 12 min
